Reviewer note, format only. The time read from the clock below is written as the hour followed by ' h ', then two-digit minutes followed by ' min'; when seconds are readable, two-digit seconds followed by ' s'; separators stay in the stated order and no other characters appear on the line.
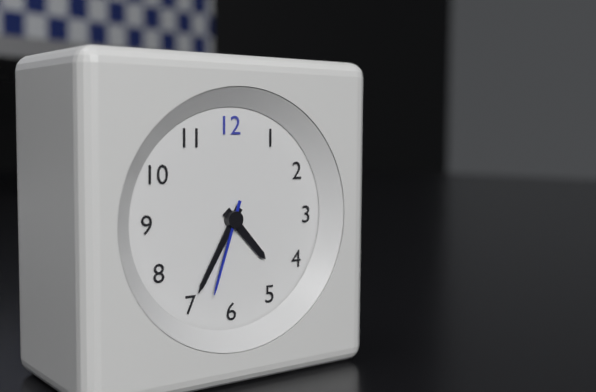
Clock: 4 h 35 min 33 s
